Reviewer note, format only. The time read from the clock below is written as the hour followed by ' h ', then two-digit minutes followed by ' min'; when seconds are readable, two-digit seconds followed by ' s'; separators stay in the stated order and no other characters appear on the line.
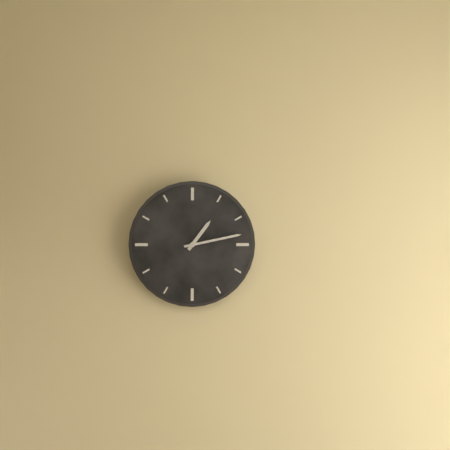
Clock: 1 h 13 min
